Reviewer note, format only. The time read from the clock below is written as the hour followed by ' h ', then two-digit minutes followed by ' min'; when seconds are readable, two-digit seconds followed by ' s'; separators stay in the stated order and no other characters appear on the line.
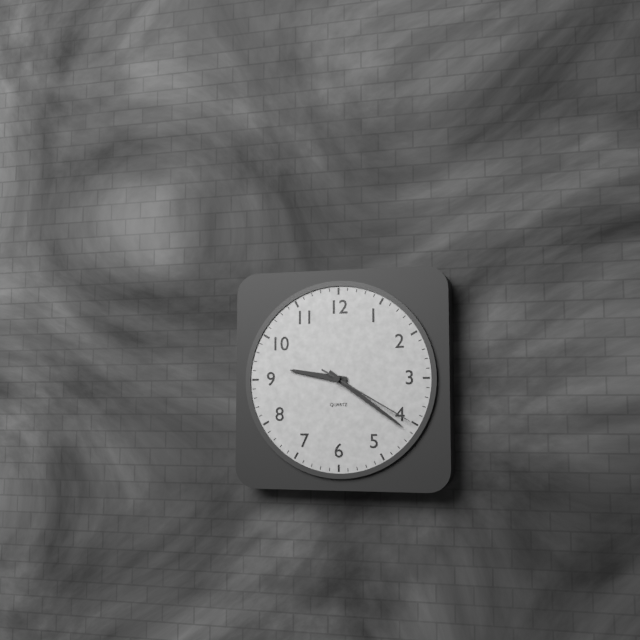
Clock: 9 h 21 min 20 s
